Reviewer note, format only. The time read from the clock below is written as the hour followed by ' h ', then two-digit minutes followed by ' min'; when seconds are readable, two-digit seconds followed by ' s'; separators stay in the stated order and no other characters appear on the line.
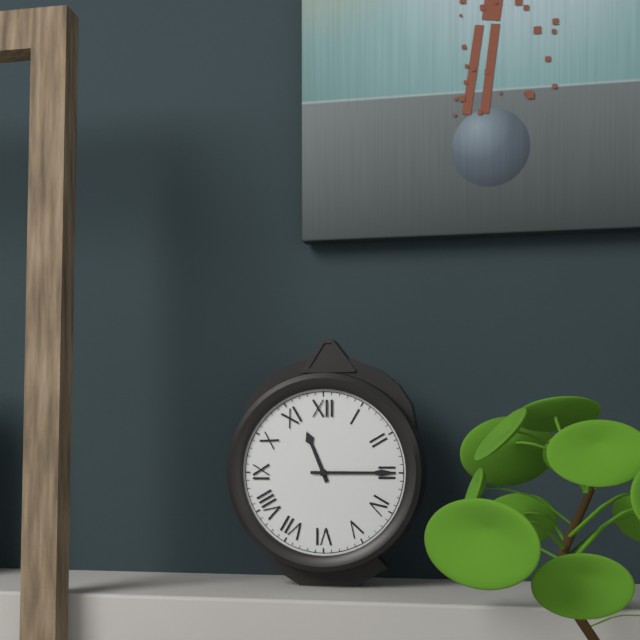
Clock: 11 h 15 min
